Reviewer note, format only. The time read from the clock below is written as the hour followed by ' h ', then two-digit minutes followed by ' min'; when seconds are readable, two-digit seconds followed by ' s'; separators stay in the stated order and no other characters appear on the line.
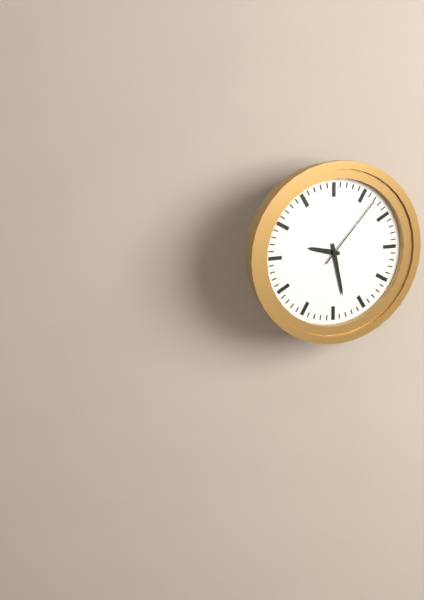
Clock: 9 h 28 min 07 s
